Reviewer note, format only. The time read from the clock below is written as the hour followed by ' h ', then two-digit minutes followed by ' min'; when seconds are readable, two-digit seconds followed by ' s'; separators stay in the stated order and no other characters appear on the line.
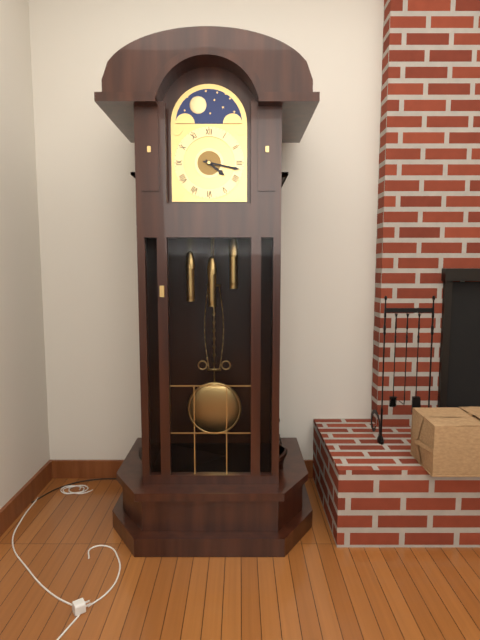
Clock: 4 h 17 min
